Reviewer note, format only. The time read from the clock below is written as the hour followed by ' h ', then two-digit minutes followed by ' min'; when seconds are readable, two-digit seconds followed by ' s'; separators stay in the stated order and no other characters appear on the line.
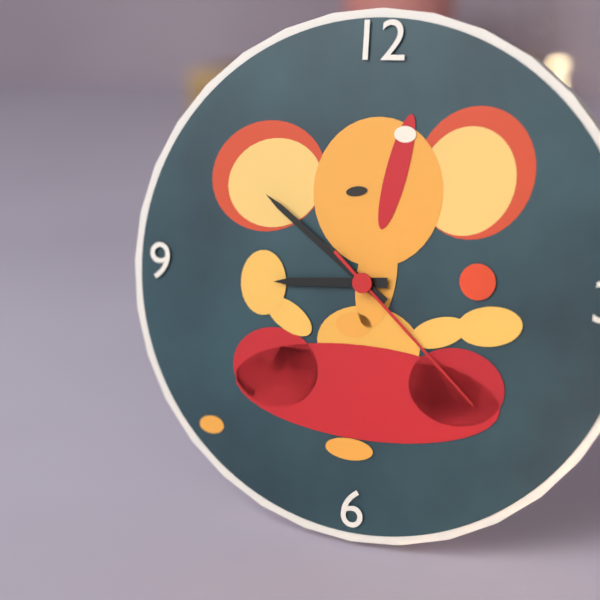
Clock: 8 h 51 min 22 s
